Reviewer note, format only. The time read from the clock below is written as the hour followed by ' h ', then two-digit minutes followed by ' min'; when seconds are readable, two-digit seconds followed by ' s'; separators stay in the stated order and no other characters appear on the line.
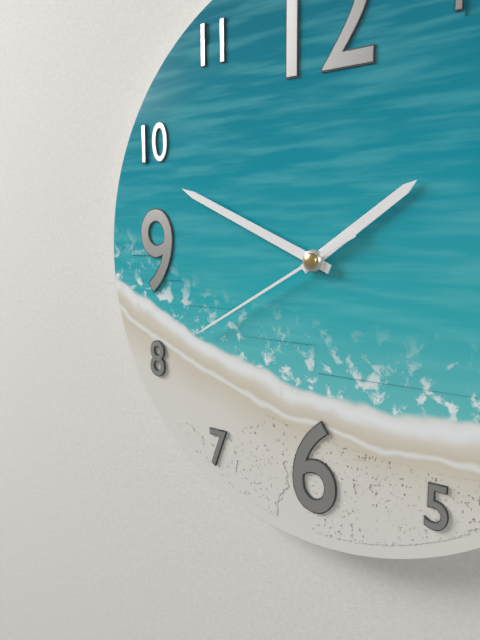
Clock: 1 h 49 min 40 s
